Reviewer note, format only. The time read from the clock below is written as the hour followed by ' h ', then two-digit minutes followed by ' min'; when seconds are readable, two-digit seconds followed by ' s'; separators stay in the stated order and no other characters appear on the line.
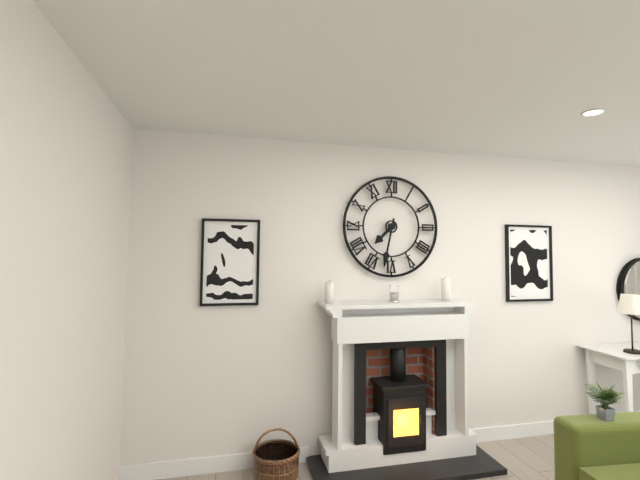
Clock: 7 h 32 min
